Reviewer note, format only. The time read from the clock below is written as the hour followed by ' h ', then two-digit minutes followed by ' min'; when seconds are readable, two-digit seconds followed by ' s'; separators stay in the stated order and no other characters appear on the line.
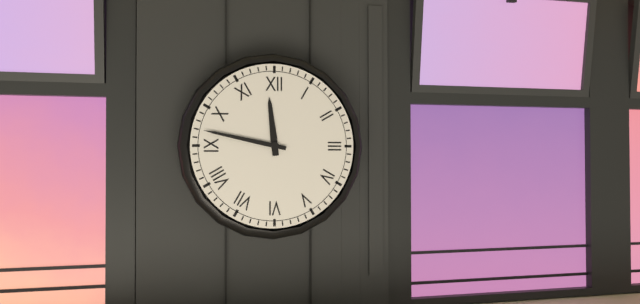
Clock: 11 h 47 min
